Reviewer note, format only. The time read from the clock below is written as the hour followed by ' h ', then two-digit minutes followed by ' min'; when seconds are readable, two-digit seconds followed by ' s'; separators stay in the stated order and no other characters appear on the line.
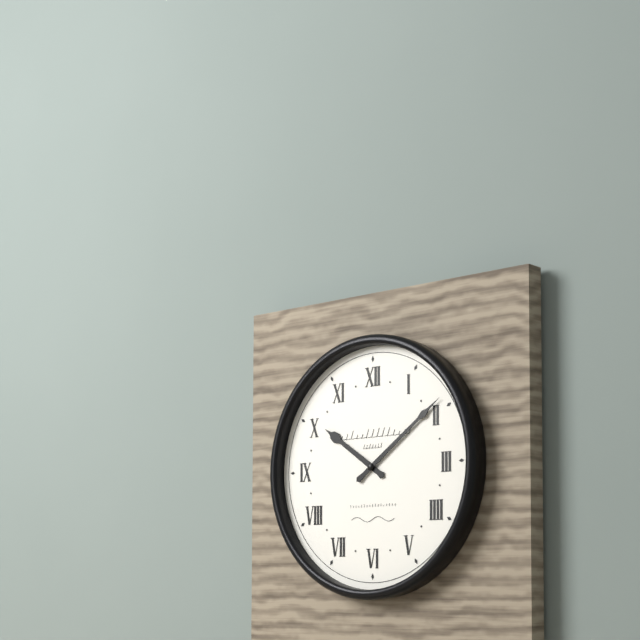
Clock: 10 h 09 min
